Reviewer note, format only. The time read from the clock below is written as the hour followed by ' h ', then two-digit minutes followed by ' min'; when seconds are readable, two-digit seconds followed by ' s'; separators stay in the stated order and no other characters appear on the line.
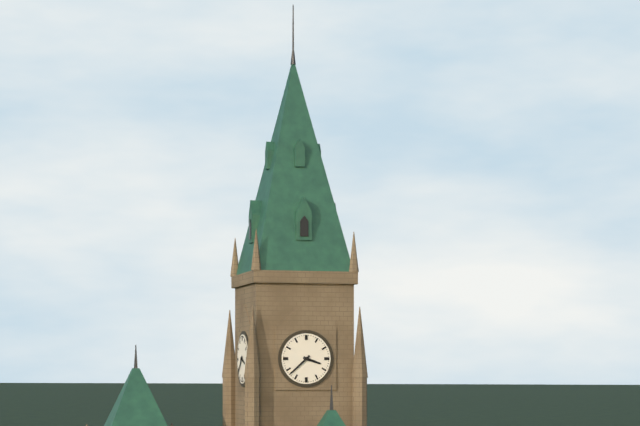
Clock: 3 h 38 min
